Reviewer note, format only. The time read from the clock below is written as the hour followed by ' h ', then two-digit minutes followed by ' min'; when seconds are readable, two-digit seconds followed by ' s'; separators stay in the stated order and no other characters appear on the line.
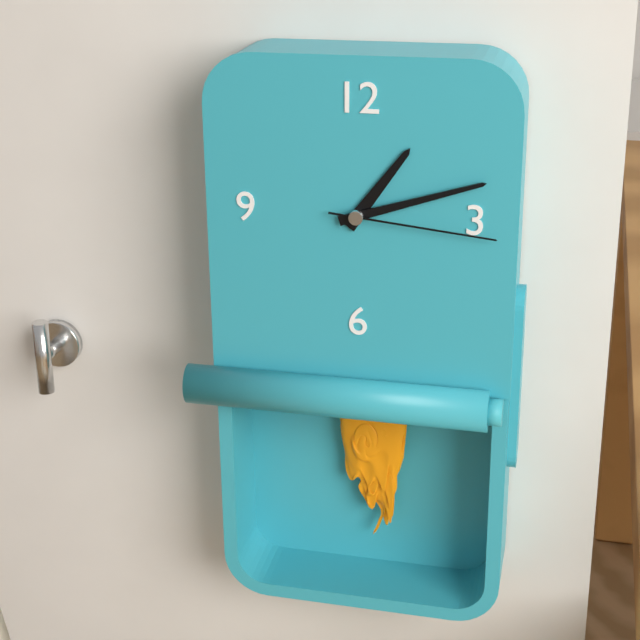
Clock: 1 h 12 min 16 s
